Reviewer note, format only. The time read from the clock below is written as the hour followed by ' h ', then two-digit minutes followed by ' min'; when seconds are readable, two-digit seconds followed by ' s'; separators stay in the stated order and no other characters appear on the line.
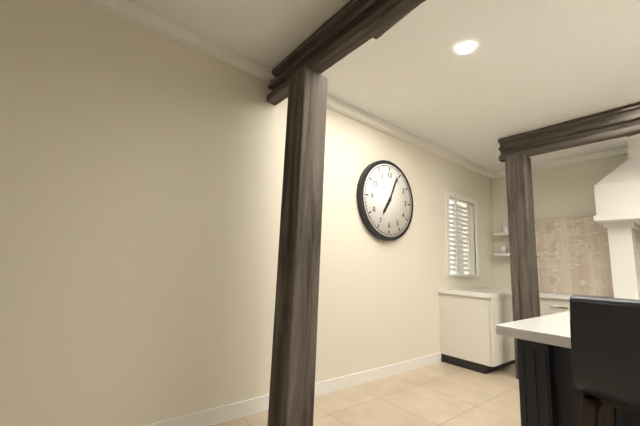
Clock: 7 h 04 min
